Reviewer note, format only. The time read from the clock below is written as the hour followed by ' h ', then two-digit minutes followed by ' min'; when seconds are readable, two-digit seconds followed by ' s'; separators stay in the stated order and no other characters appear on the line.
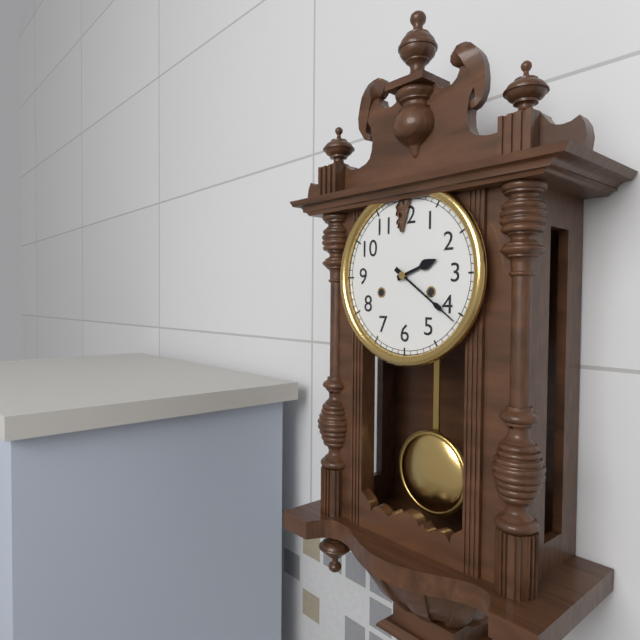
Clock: 2 h 21 min
